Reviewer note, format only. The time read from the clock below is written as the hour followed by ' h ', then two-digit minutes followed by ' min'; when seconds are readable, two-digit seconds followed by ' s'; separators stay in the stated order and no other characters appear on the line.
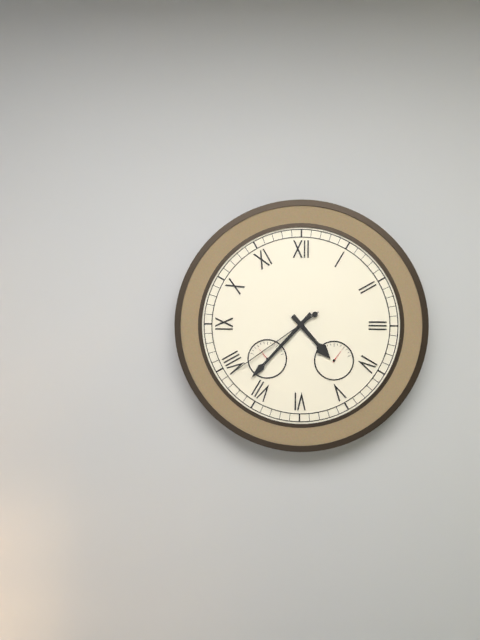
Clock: 4 h 37 min 39 s
